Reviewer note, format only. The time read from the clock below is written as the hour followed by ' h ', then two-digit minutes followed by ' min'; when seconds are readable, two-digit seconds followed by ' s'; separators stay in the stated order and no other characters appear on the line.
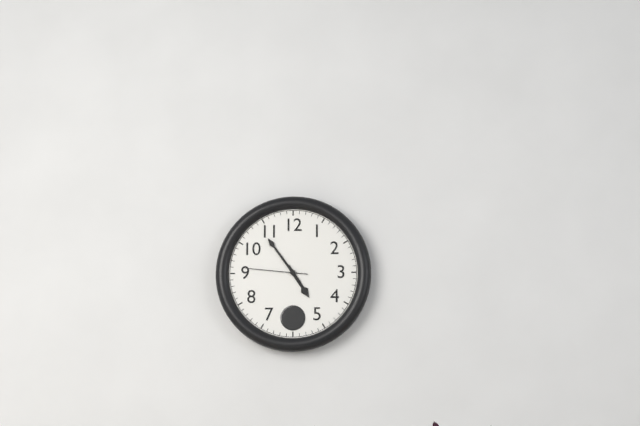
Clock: 4 h 54 min 46 s
